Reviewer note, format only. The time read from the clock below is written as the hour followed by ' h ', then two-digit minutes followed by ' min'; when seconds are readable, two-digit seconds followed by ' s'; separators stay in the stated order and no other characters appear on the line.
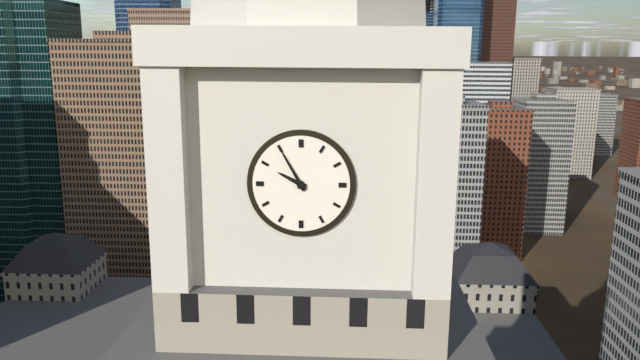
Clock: 9 h 55 min
